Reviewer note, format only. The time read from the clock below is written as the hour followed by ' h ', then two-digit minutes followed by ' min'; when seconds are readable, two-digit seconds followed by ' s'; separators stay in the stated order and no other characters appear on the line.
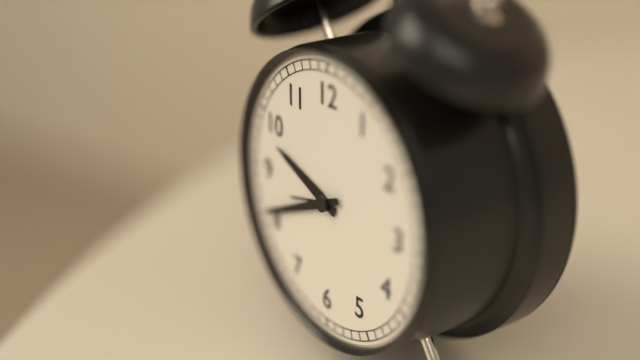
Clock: 9 h 41 min
